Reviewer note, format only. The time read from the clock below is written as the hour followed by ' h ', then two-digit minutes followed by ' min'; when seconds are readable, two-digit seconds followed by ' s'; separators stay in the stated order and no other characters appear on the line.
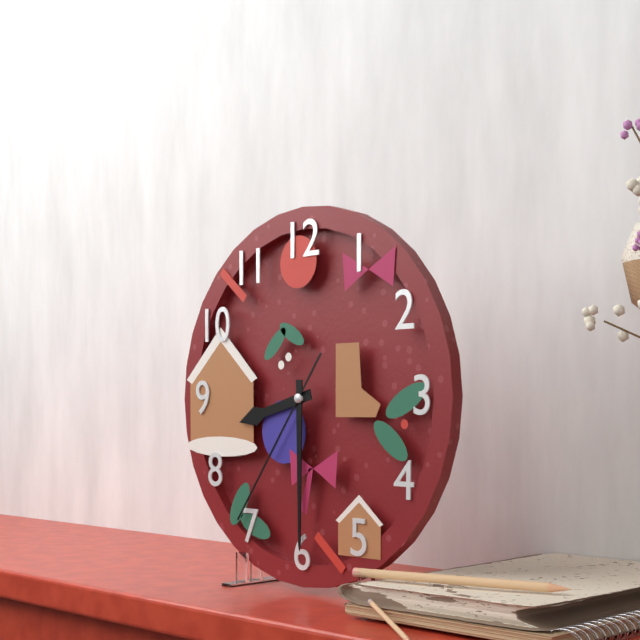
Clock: 8 h 30 min 36 s
